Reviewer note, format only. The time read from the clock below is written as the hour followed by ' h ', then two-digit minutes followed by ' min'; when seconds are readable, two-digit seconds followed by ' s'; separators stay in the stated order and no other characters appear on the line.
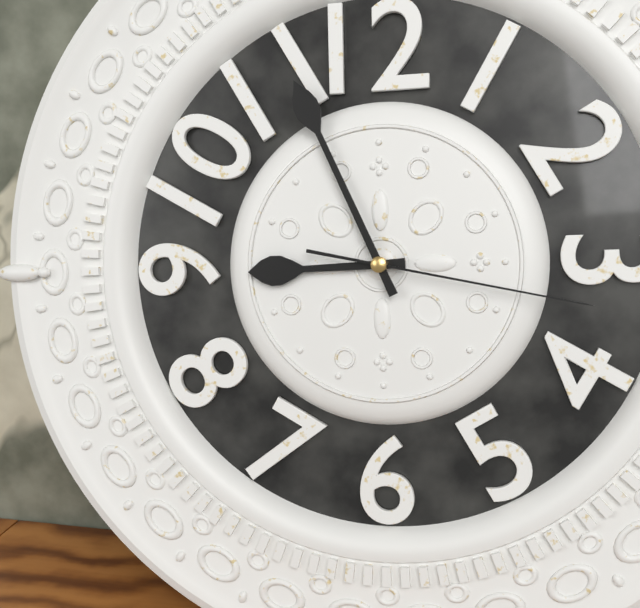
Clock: 8 h 56 min 17 s
